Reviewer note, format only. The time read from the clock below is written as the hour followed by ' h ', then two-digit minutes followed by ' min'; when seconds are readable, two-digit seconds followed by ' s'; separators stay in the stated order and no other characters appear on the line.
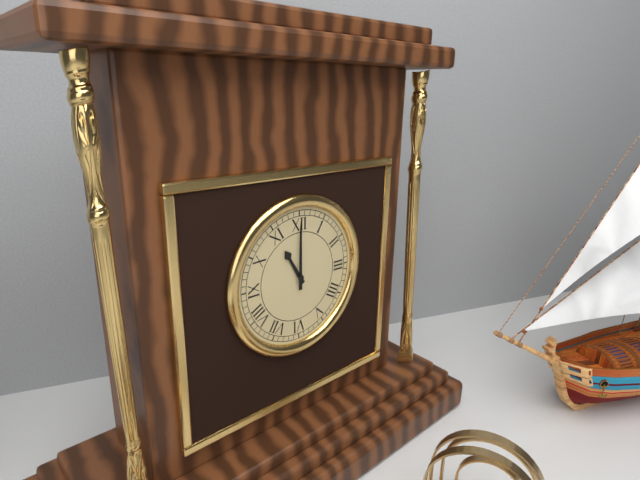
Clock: 11 h 00 min
